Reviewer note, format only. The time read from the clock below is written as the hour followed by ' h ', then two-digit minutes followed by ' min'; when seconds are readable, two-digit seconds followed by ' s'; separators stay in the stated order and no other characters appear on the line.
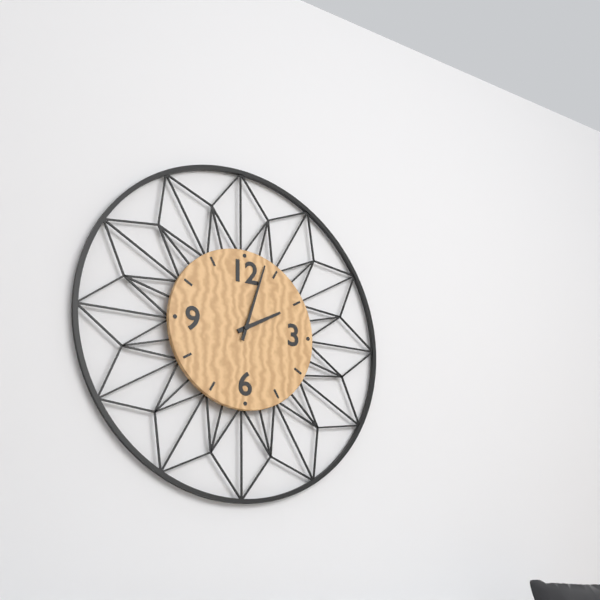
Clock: 2 h 03 min
